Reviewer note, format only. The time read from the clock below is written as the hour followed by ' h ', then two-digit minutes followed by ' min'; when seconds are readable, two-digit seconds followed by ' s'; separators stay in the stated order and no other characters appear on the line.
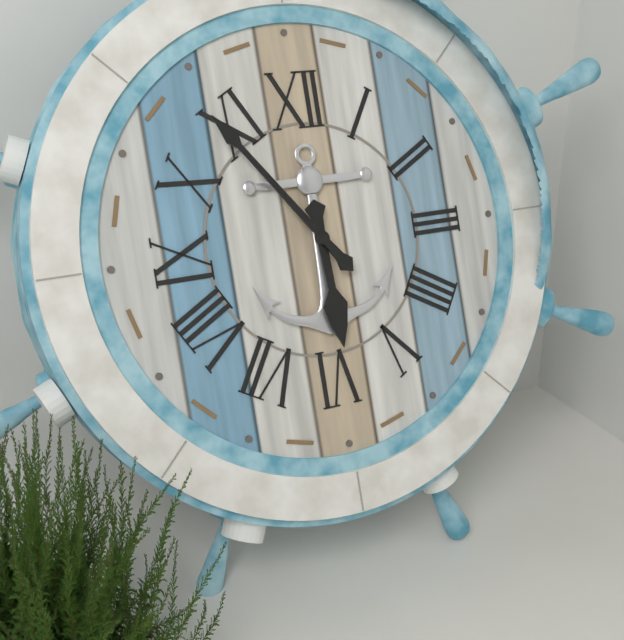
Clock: 5 h 54 min
